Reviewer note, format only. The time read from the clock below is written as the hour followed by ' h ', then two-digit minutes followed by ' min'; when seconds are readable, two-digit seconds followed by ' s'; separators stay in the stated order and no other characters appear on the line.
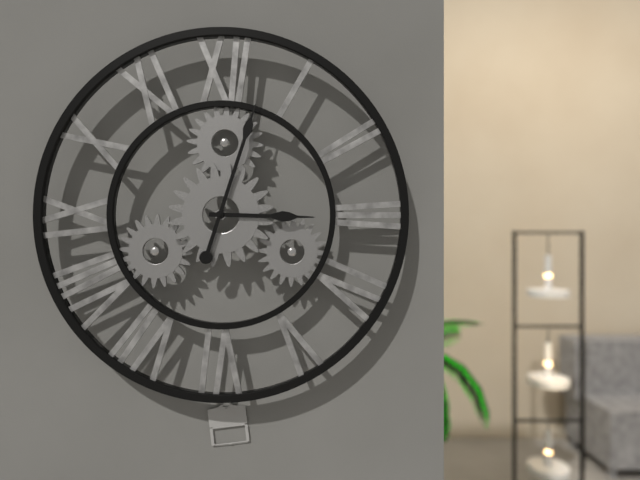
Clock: 3 h 03 min
